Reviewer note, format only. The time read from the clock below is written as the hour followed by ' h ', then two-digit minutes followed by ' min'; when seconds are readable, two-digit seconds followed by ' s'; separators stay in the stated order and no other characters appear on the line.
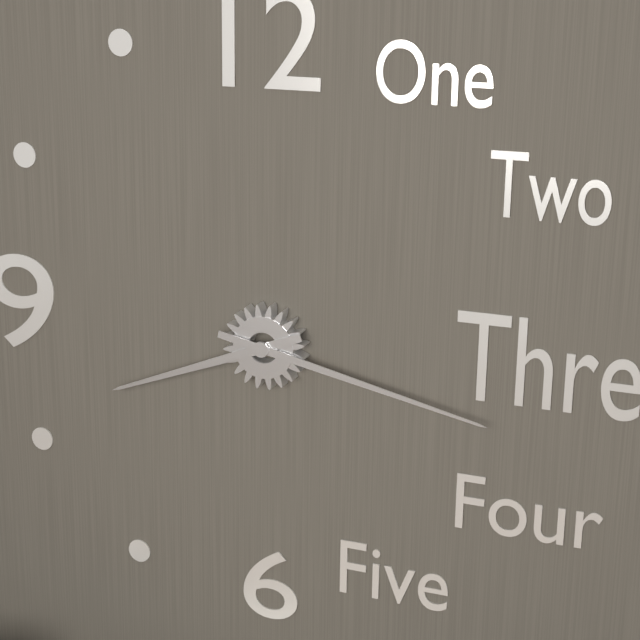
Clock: 8 h 17 min
